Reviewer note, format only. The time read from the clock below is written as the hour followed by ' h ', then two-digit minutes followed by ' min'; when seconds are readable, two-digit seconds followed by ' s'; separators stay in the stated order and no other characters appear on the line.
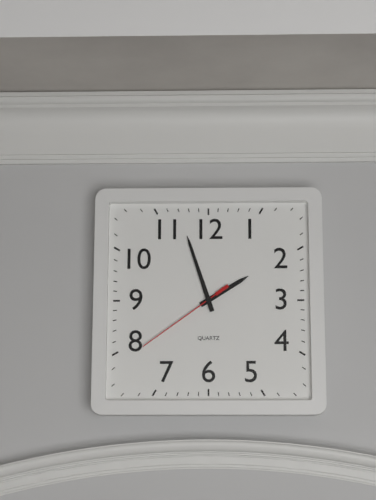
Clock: 1 h 57 min 39 s
